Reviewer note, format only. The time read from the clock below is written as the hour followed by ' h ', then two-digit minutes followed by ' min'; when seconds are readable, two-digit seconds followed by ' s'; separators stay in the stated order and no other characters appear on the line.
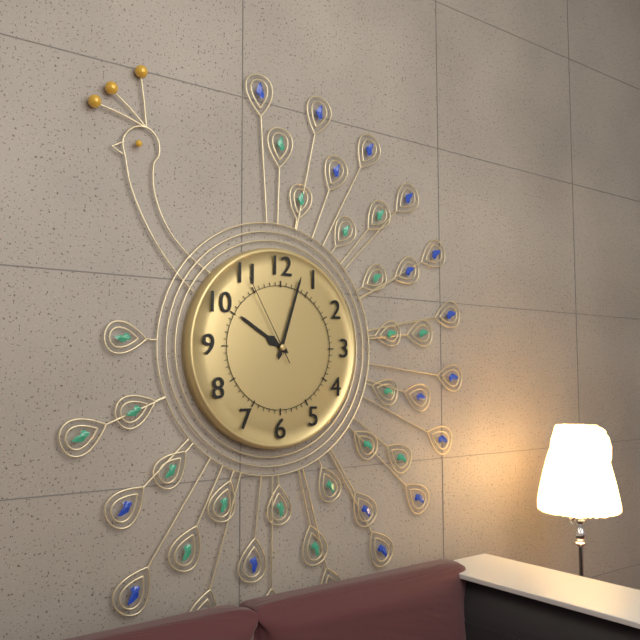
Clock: 10 h 03 min 55 s
